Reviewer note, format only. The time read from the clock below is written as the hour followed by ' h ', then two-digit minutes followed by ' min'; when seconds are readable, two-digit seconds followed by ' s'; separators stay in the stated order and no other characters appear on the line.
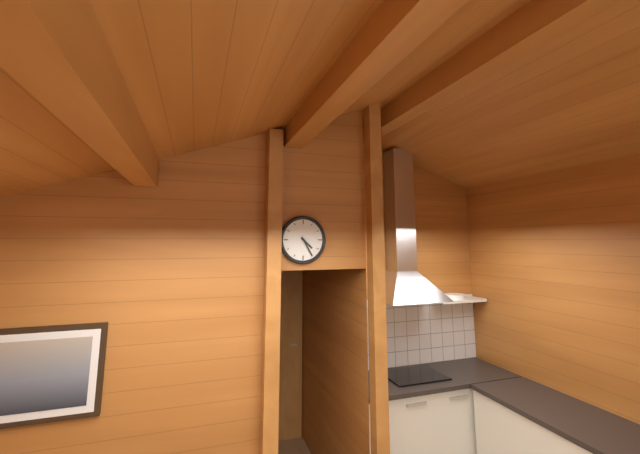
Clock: 4 h 25 min
